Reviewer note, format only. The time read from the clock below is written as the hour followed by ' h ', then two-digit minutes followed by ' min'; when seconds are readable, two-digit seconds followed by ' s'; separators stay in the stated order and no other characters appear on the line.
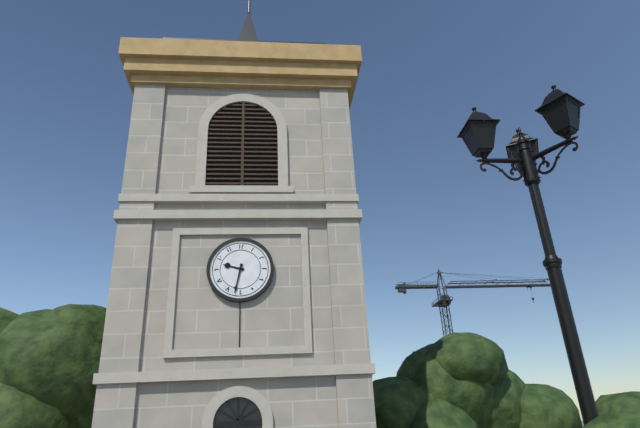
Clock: 9 h 32 min
